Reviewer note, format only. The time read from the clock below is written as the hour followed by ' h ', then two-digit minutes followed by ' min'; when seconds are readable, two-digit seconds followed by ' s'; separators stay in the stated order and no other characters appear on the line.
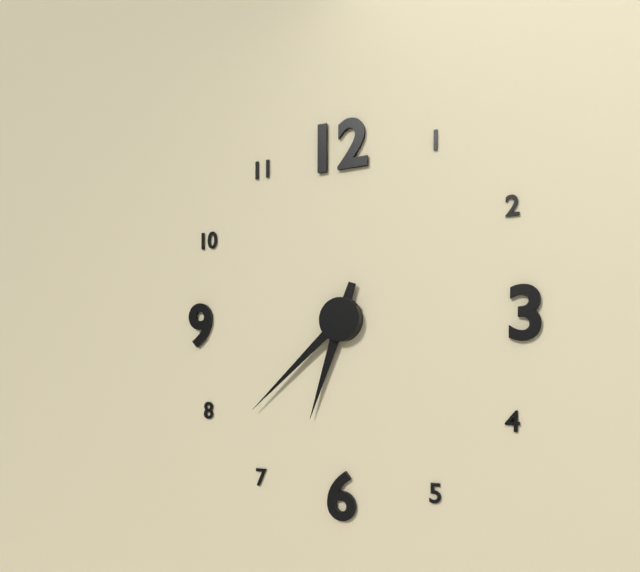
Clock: 6 h 38 min
